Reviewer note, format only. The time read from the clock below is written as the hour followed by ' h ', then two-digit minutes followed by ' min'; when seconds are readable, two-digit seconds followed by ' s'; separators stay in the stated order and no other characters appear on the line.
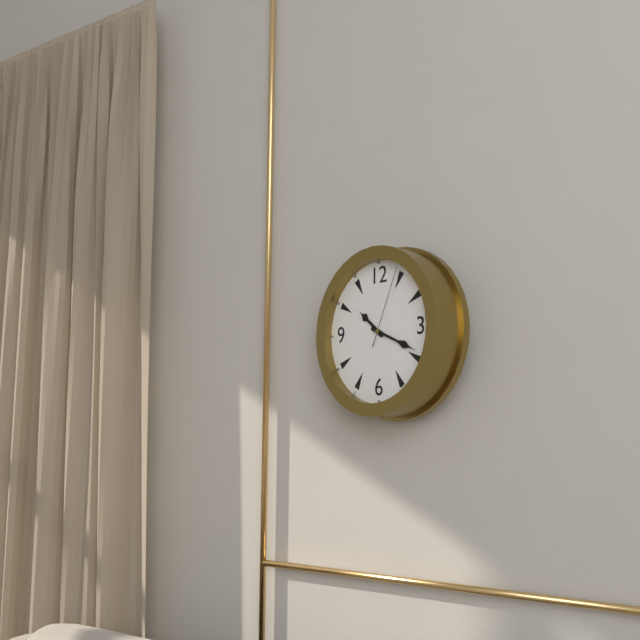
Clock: 10 h 19 min 04 s
